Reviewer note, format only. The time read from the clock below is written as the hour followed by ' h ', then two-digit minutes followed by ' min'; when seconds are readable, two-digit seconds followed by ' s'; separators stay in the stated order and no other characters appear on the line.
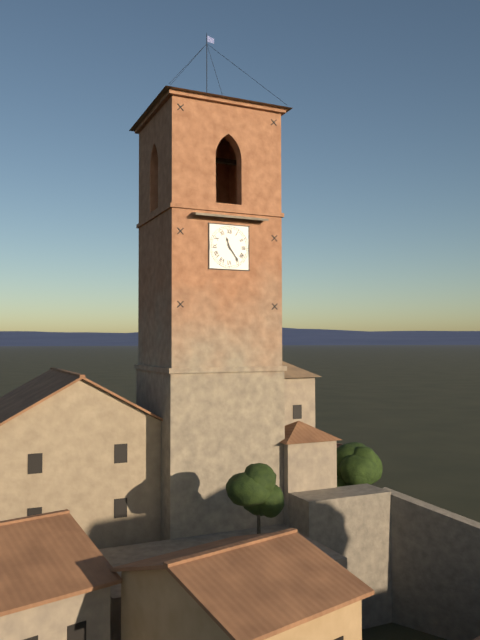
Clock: 11 h 24 min
